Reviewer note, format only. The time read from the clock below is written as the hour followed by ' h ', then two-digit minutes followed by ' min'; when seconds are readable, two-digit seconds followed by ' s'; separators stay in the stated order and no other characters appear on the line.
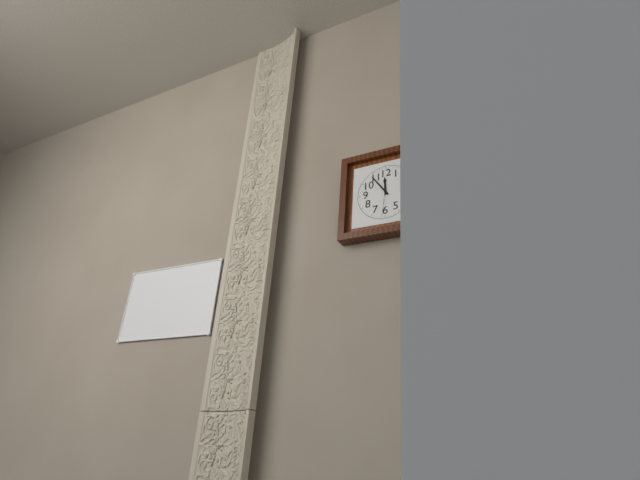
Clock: 11 h 54 min
